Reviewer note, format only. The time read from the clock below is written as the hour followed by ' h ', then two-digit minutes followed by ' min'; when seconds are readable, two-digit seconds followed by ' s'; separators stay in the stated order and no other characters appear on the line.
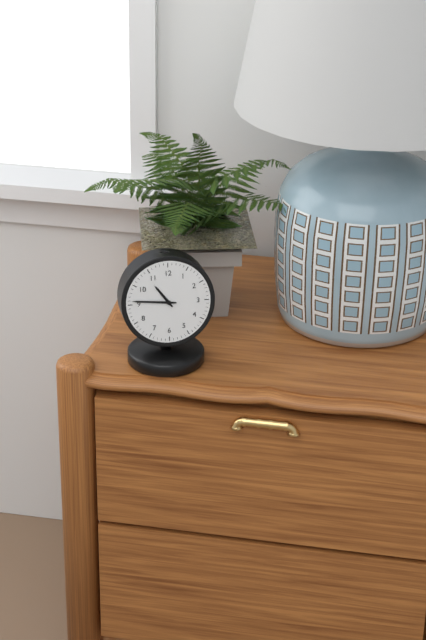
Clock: 10 h 46 min
